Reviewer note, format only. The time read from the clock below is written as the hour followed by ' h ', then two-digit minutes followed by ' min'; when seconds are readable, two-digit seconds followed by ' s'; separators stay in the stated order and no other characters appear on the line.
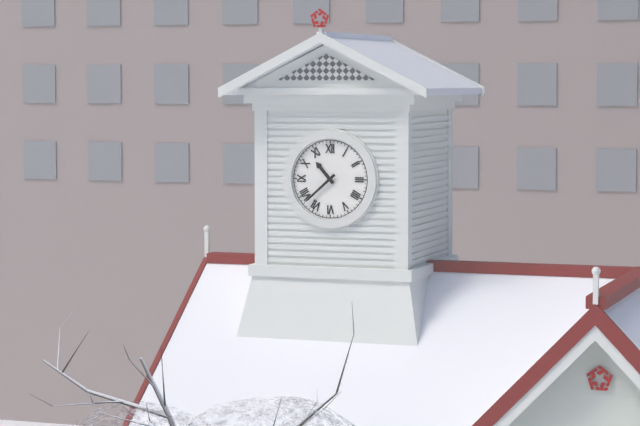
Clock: 10 h 38 min
